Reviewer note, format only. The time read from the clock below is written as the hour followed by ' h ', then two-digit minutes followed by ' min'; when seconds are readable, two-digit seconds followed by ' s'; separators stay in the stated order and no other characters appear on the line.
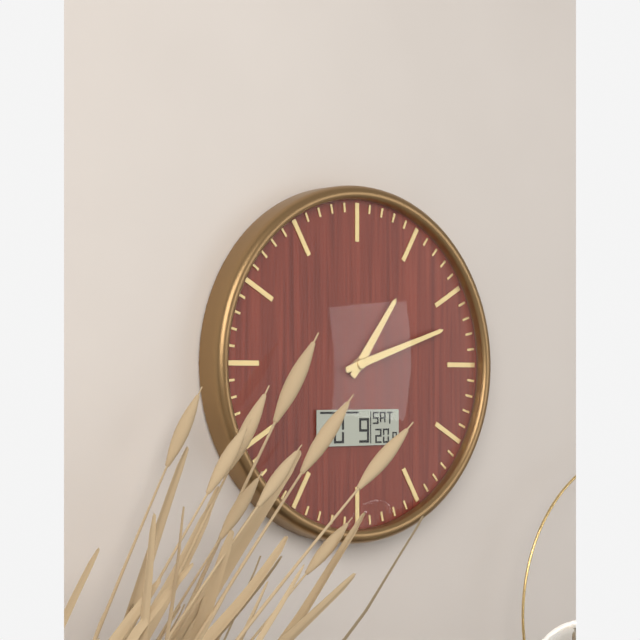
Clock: 1 h 12 min
